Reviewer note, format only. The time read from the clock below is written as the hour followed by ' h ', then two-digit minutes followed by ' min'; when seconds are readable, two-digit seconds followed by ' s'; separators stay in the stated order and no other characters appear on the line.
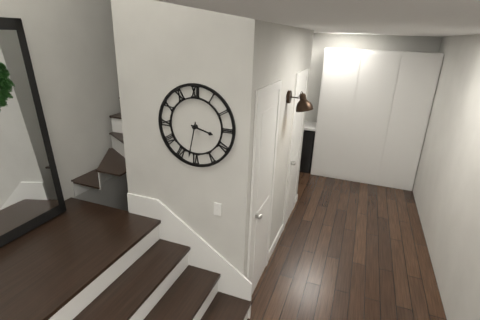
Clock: 3 h 32 min
